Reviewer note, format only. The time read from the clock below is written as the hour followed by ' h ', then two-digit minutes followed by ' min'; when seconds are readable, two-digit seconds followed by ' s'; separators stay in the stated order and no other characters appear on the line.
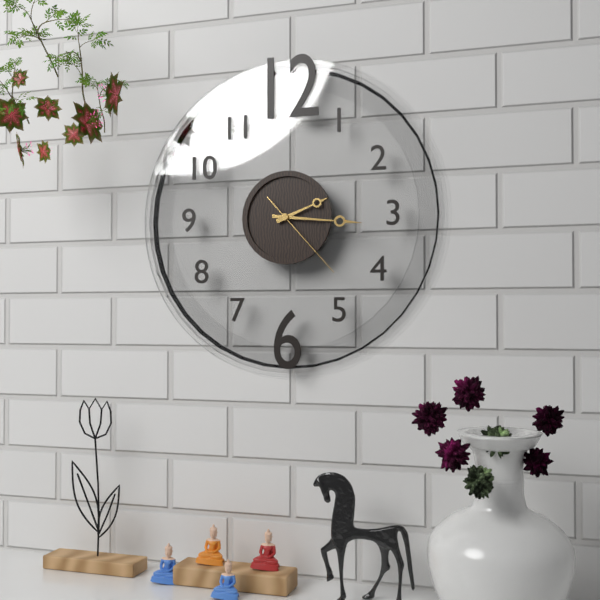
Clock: 2 h 16 min 23 s
